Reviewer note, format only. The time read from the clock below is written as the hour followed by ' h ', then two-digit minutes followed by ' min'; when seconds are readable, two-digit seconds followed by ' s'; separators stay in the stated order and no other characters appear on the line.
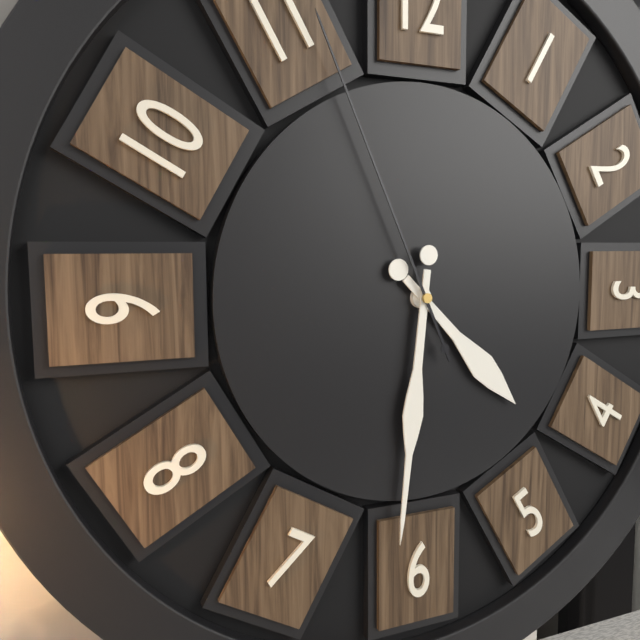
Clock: 4 h 31 min 56 s
